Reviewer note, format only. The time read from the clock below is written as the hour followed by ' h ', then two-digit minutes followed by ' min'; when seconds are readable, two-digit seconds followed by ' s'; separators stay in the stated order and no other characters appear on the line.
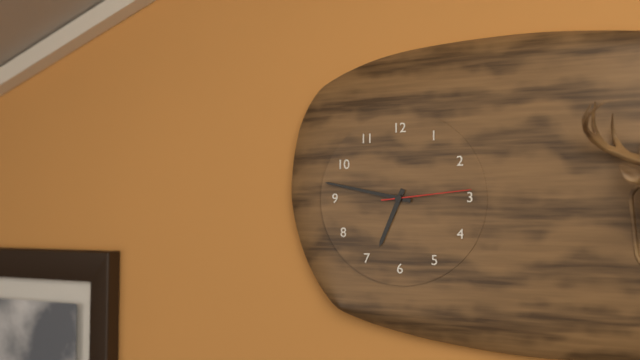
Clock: 6 h 47 min 14 s
